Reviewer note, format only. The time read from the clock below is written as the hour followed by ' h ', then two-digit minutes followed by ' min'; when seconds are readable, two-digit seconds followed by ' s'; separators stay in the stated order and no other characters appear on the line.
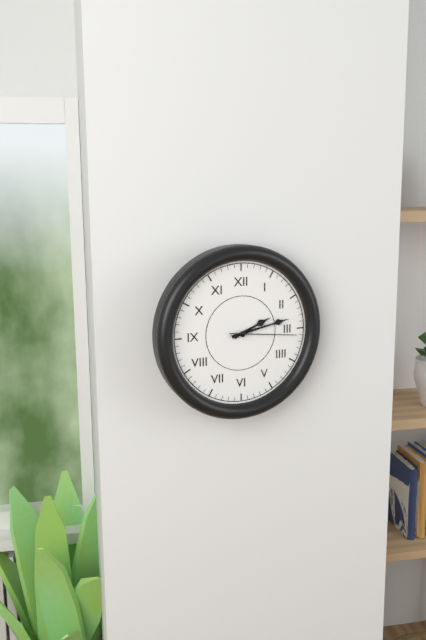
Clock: 2 h 13 min 16 s
